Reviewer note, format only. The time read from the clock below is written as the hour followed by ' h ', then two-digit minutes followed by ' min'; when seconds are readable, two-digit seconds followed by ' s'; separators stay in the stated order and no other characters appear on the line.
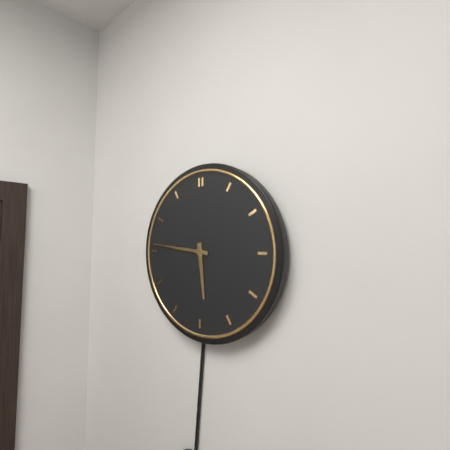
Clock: 5 h 46 min
